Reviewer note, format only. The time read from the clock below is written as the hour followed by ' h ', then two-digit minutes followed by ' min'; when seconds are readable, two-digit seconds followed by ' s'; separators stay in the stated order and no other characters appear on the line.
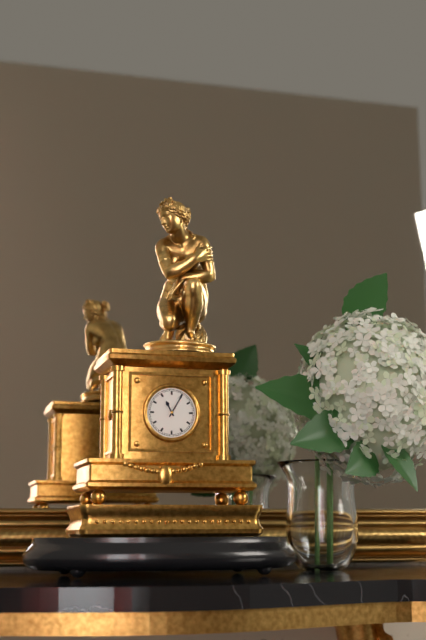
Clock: 11 h 05 min
